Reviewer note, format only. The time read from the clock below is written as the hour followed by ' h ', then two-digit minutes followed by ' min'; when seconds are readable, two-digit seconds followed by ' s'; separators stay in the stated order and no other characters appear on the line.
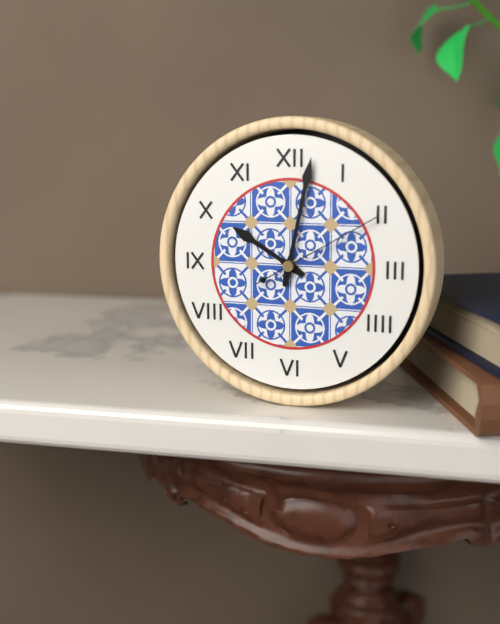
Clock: 10 h 02 min 10 s
